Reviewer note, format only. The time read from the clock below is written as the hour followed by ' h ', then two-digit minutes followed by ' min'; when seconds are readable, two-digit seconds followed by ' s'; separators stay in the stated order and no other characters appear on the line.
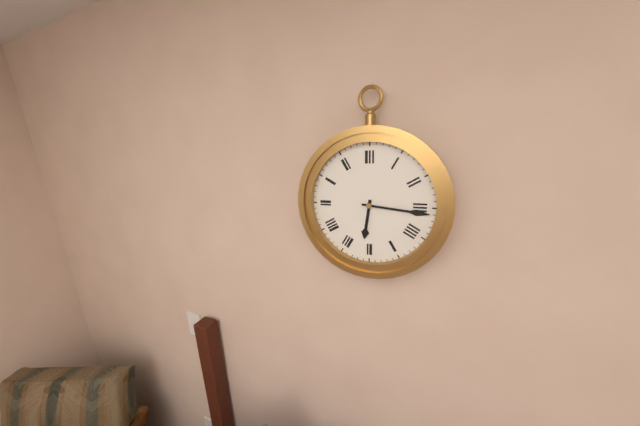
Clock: 6 h 16 min
